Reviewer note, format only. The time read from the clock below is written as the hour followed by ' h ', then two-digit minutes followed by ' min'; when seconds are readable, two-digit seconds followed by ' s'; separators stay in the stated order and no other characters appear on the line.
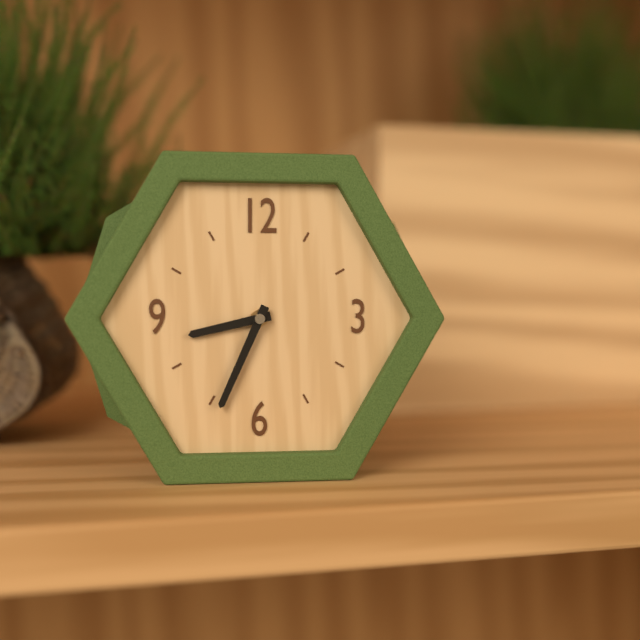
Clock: 8 h 34 min
